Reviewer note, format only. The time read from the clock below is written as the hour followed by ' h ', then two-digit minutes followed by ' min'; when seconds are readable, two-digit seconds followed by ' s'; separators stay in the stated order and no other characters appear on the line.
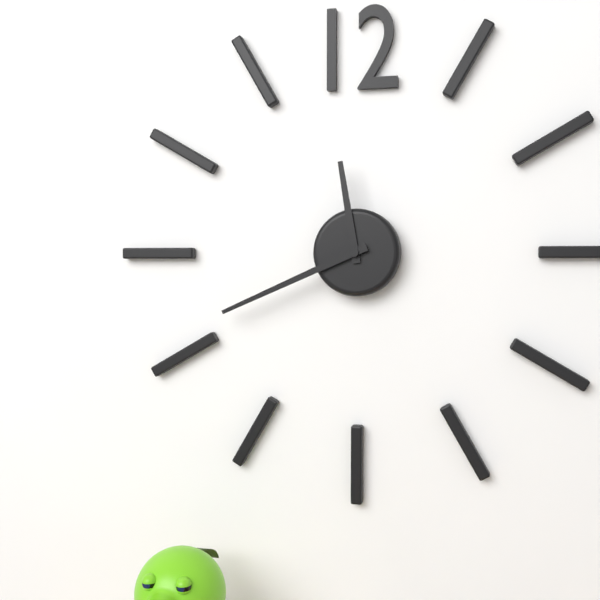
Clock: 11 h 41 min
